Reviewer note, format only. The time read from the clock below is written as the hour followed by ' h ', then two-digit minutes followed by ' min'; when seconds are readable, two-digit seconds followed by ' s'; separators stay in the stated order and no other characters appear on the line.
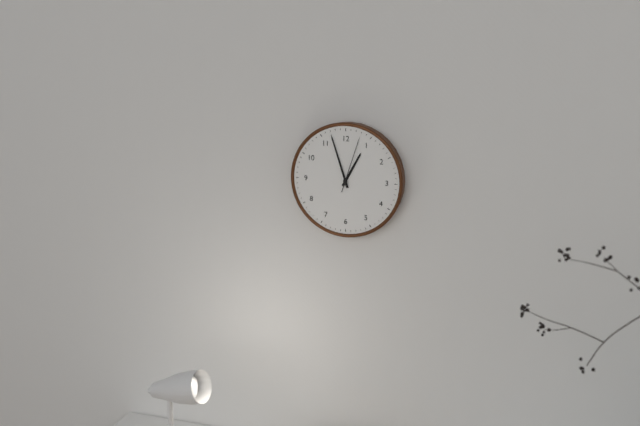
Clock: 12 h 57 min 03 s
